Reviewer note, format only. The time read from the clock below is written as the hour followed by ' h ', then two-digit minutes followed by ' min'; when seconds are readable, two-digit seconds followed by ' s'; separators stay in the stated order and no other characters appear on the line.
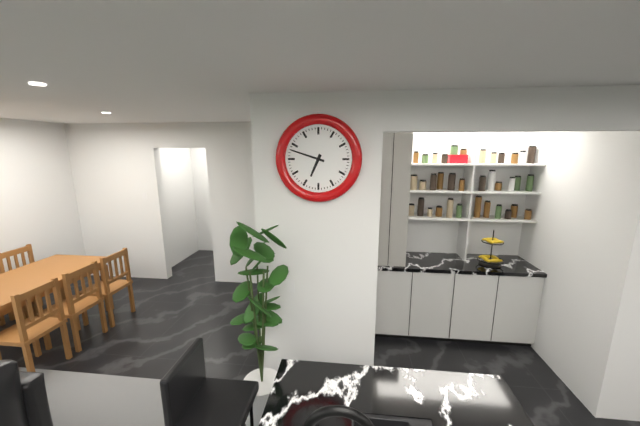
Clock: 6 h 48 min
